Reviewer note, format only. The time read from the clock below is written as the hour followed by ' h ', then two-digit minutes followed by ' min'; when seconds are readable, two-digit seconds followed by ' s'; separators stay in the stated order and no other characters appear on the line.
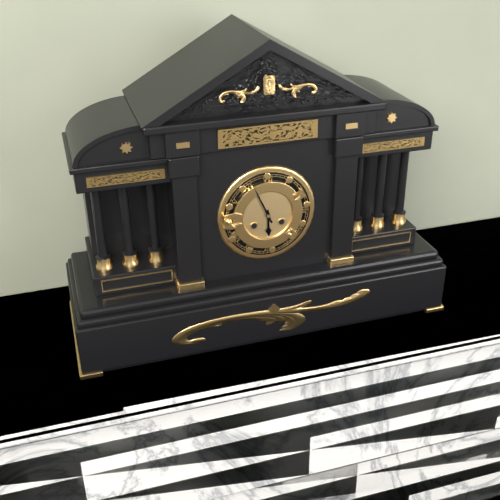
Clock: 5 h 56 min
